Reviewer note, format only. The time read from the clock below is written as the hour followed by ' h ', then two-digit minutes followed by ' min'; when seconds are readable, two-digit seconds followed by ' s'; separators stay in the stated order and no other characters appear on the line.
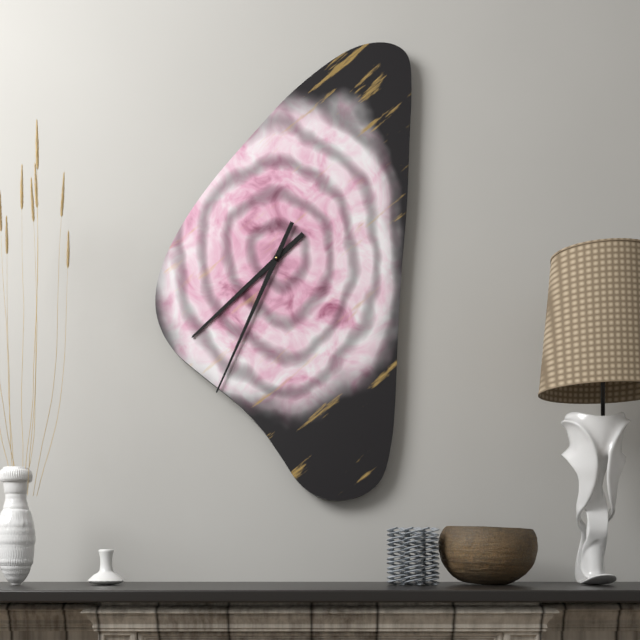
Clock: 7 h 34 min
